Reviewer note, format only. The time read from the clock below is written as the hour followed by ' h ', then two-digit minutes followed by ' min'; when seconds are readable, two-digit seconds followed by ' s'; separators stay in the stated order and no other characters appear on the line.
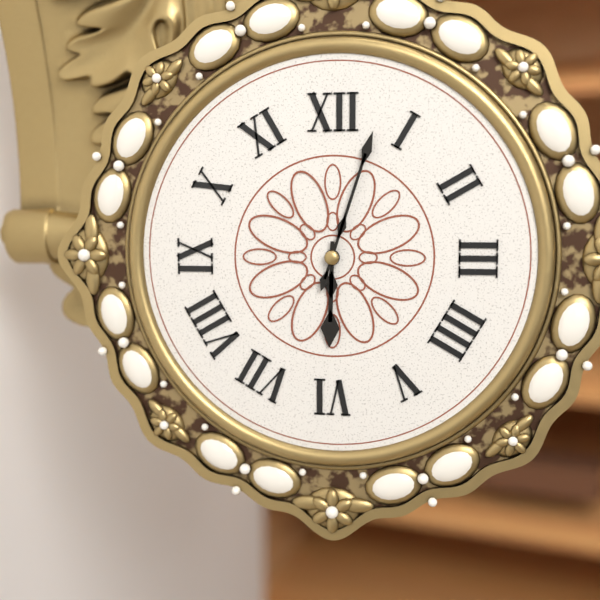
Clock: 6 h 03 min
